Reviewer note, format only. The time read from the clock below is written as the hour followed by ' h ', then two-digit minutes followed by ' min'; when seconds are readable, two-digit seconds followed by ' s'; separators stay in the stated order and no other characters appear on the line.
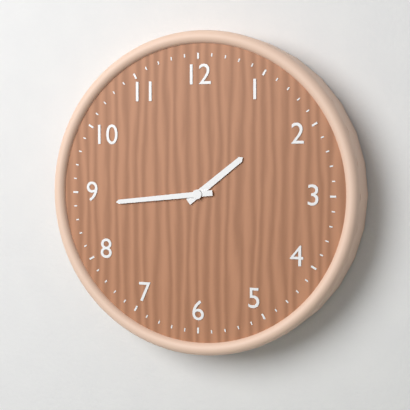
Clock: 1 h 44 min
